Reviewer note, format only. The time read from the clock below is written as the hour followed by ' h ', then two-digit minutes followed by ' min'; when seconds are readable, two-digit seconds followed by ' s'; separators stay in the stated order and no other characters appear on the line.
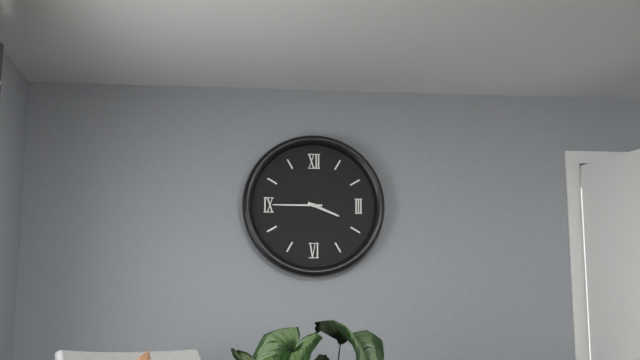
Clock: 3 h 45 min
